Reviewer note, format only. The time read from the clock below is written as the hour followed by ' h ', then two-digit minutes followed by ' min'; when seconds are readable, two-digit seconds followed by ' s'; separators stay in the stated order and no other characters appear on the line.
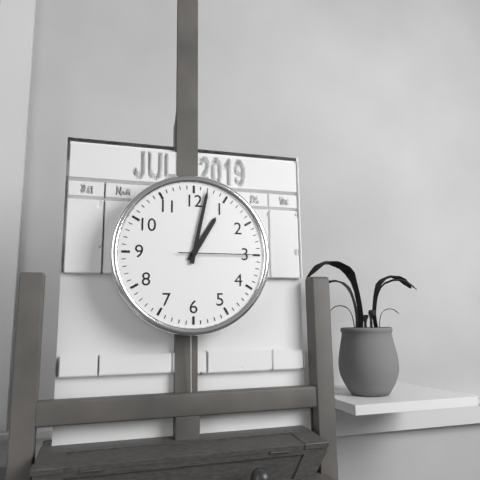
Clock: 1 h 02 min 15 s
